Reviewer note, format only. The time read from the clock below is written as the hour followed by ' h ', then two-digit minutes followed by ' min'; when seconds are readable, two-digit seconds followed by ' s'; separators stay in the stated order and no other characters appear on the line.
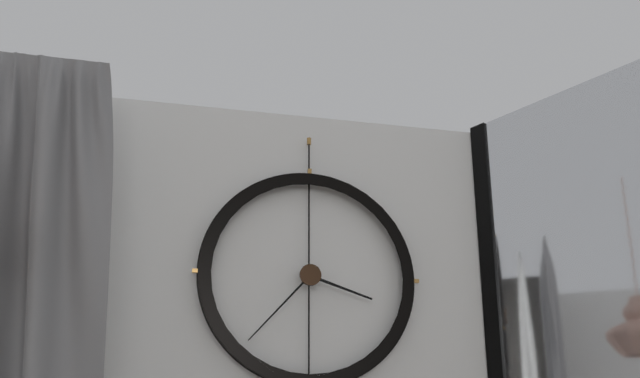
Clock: 3 h 37 min
